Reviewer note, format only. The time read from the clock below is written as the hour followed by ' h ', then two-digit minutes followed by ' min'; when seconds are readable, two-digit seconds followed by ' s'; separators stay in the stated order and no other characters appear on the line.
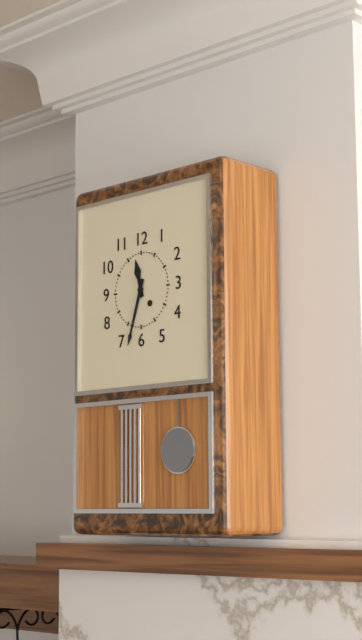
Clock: 11 h 33 min
